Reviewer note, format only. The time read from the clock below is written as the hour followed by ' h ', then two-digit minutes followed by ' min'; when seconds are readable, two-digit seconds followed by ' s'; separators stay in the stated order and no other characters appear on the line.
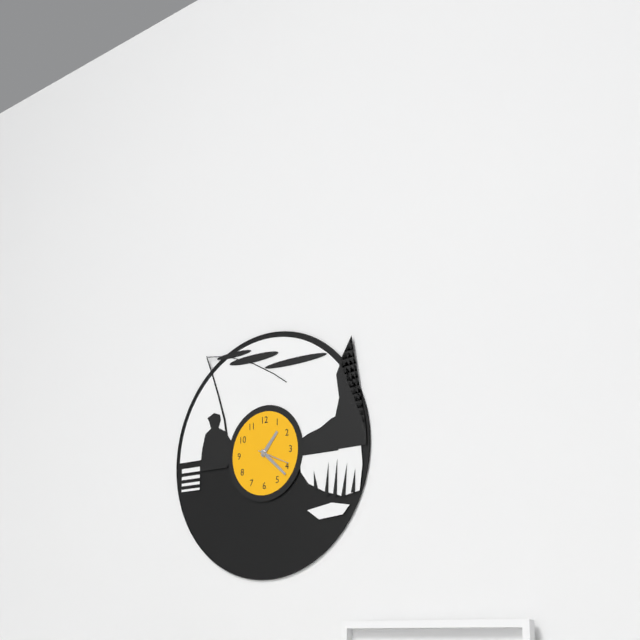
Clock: 1 h 22 min
